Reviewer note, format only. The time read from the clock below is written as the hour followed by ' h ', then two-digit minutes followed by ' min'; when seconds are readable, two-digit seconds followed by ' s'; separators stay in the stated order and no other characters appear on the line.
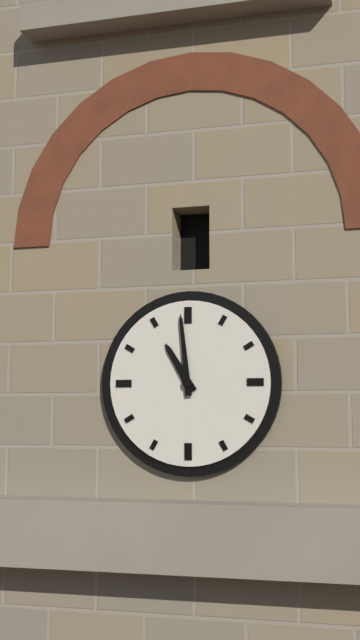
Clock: 10 h 59 min
